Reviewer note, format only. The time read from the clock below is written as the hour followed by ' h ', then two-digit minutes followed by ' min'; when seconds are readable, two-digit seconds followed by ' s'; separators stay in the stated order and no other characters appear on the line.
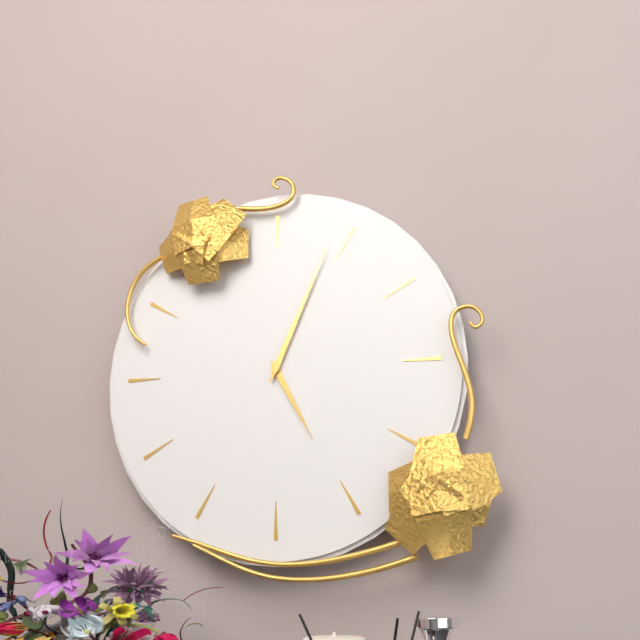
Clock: 5 h 04 min
